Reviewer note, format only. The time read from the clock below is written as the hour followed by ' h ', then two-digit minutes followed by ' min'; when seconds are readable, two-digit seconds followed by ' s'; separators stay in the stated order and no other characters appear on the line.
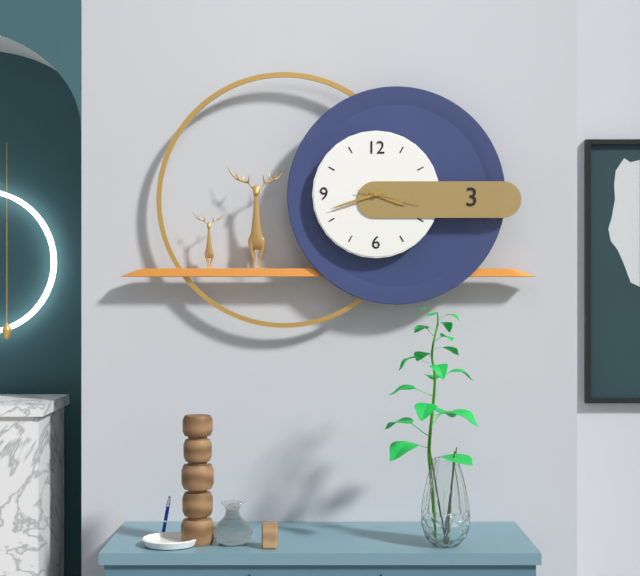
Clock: 3 h 42 min 17 s
